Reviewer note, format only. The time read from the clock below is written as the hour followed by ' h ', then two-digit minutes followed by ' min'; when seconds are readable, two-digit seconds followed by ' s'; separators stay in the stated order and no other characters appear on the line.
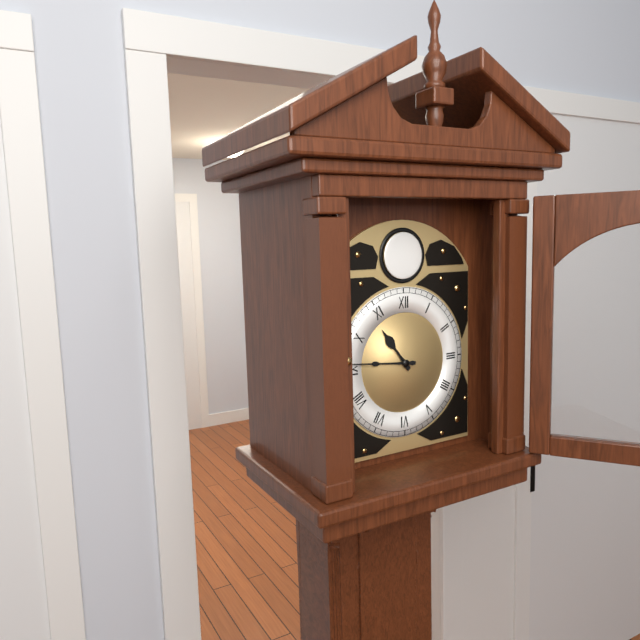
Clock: 10 h 46 min
